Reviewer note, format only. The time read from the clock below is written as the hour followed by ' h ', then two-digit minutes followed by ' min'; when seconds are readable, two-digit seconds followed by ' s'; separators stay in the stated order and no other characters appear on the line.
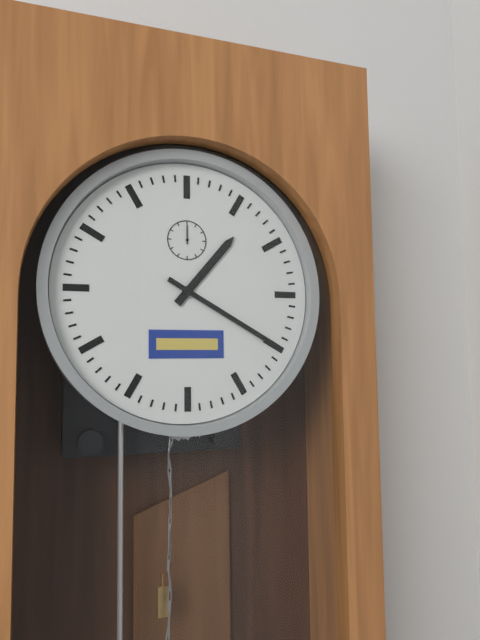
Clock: 1 h 20 min
